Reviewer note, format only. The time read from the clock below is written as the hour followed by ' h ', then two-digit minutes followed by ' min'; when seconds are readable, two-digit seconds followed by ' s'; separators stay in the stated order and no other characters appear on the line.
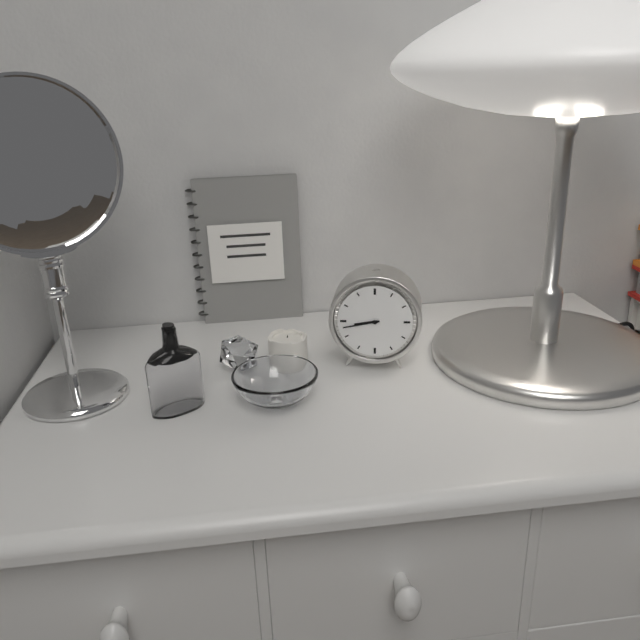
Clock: 8 h 43 min
